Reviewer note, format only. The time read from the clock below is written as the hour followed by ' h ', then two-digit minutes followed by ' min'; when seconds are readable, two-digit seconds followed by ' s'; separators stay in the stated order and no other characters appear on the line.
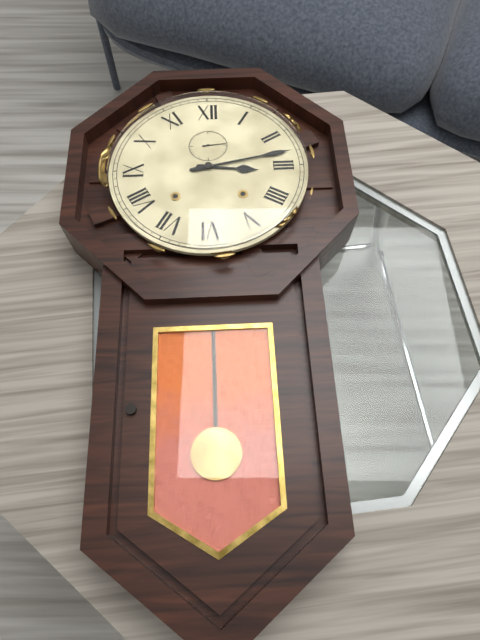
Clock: 3 h 13 min
